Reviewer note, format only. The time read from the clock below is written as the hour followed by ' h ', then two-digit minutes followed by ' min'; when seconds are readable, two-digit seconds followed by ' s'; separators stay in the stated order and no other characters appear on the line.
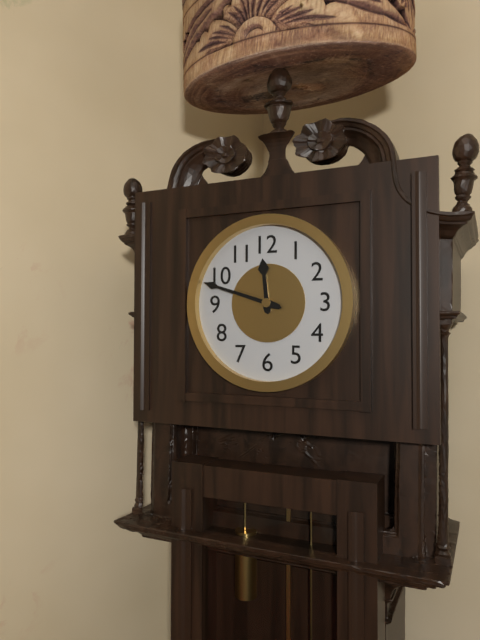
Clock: 11 h 48 min
